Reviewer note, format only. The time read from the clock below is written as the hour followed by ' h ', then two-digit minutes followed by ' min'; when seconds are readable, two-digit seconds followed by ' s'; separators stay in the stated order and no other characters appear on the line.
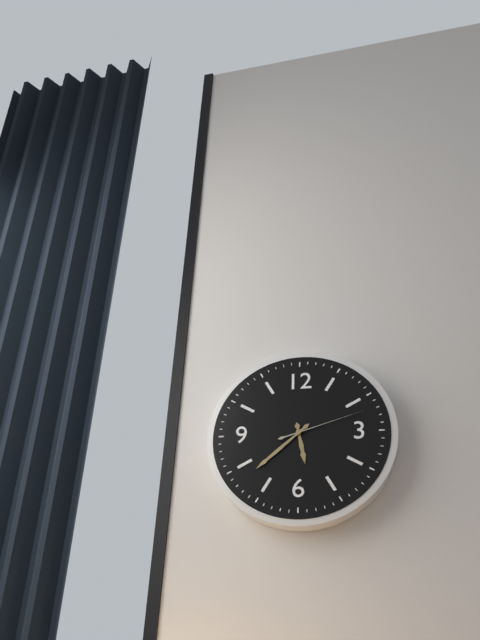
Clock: 5 h 38 min 12 s
